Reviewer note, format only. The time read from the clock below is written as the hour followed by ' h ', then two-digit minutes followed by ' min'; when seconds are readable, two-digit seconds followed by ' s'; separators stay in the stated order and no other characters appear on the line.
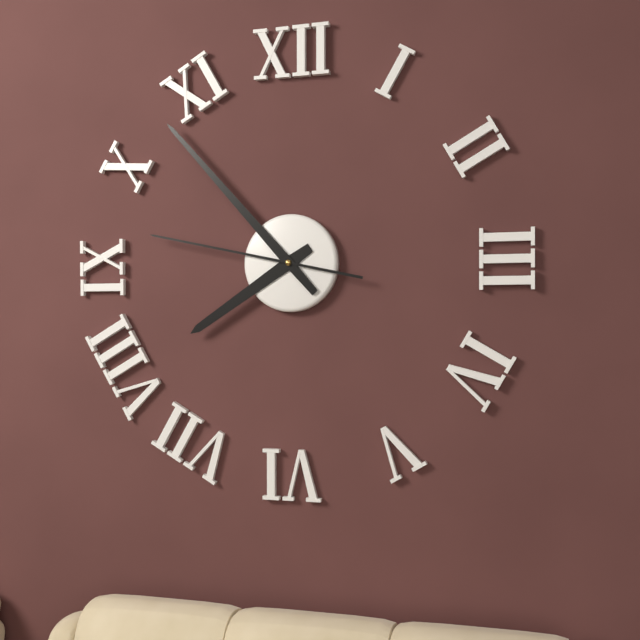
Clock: 7 h 53 min 47 s
